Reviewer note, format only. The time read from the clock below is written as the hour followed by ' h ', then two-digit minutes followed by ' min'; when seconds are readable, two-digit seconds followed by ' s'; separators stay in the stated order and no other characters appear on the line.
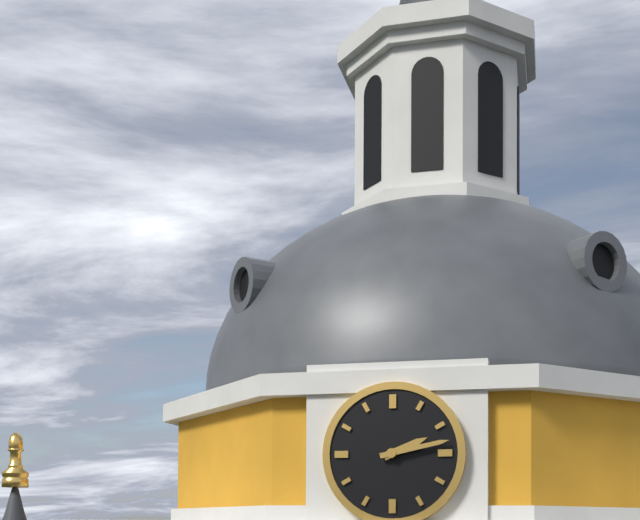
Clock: 2 h 13 min
